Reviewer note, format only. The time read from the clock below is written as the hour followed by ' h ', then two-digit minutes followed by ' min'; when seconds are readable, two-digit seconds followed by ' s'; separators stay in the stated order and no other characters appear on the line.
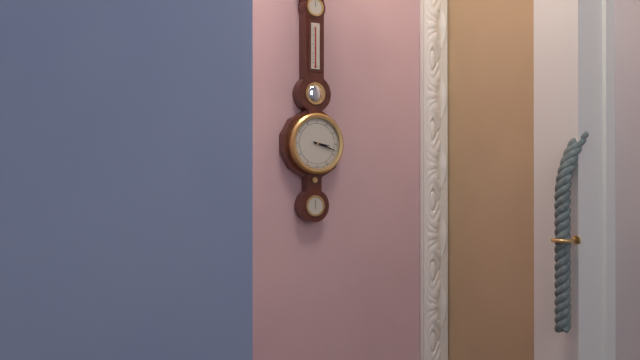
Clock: 3 h 18 min
